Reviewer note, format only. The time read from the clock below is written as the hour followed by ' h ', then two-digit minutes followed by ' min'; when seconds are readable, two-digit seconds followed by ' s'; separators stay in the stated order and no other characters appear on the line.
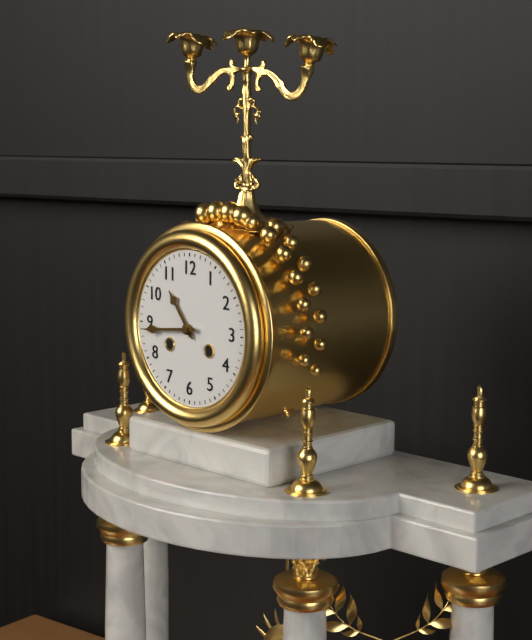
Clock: 10 h 44 min
